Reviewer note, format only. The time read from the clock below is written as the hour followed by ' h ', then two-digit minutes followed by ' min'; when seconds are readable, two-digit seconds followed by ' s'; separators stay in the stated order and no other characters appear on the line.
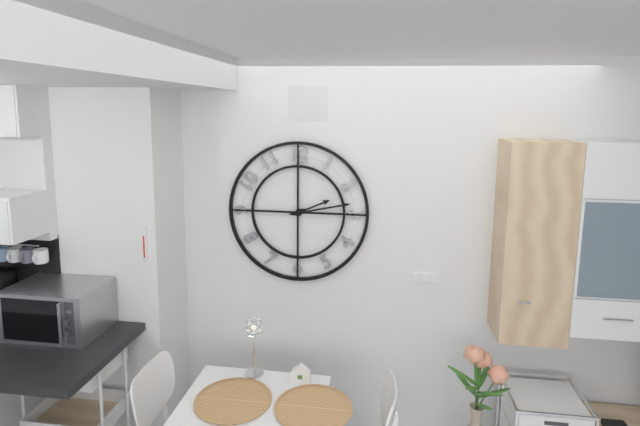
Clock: 2 h 13 min
